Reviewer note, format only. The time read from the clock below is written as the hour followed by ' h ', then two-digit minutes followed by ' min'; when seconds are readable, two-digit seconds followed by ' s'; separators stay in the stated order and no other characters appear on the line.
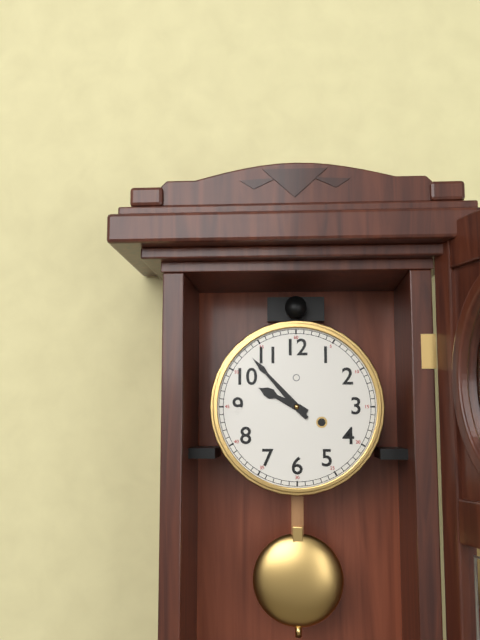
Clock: 9 h 53 min
